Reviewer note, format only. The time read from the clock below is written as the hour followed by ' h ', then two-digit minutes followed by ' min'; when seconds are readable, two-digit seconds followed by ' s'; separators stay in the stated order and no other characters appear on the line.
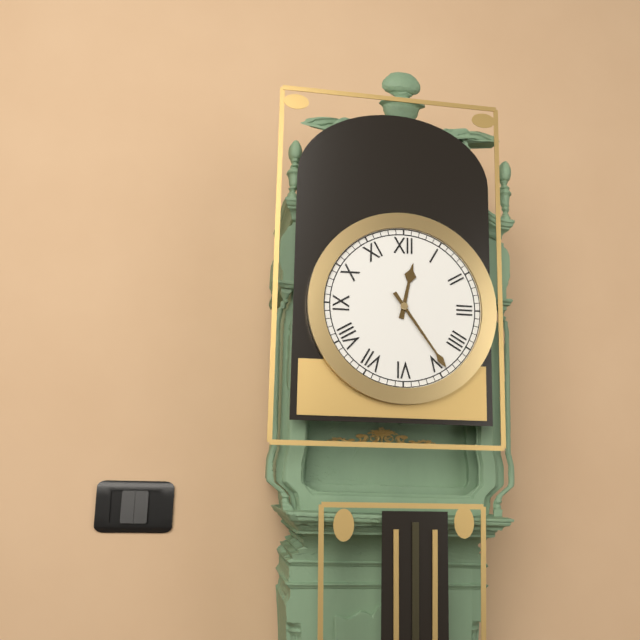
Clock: 12 h 24 min
